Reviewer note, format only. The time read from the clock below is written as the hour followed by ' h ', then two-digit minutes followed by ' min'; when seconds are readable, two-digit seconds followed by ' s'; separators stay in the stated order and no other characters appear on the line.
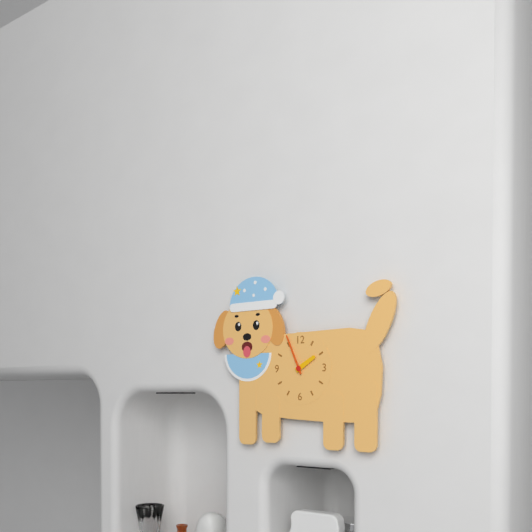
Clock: 1 h 56 min
